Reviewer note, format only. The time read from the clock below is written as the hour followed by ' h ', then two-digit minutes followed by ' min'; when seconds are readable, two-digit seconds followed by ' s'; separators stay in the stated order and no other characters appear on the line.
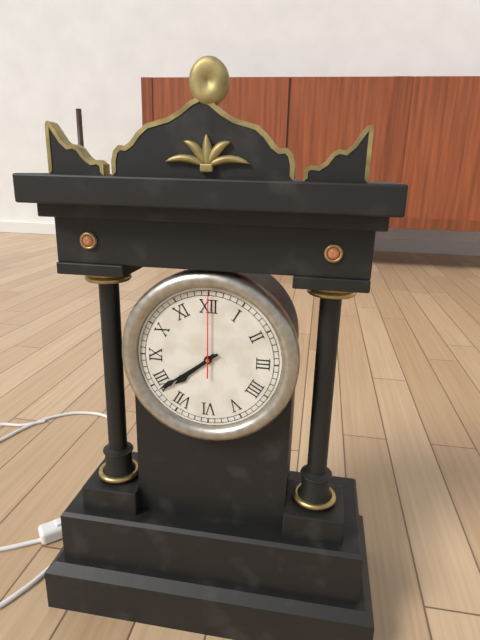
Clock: 7 h 39 min 00 s
